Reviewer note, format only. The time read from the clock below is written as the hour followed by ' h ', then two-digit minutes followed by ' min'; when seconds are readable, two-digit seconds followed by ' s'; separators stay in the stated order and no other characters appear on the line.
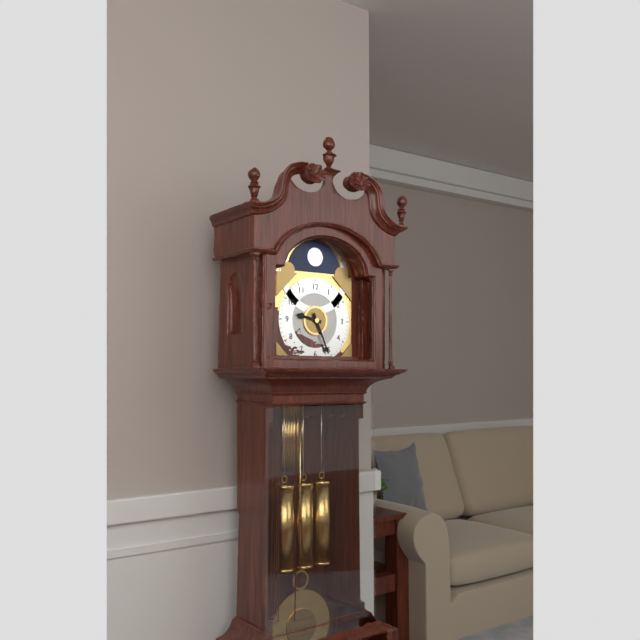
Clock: 9 h 26 min
